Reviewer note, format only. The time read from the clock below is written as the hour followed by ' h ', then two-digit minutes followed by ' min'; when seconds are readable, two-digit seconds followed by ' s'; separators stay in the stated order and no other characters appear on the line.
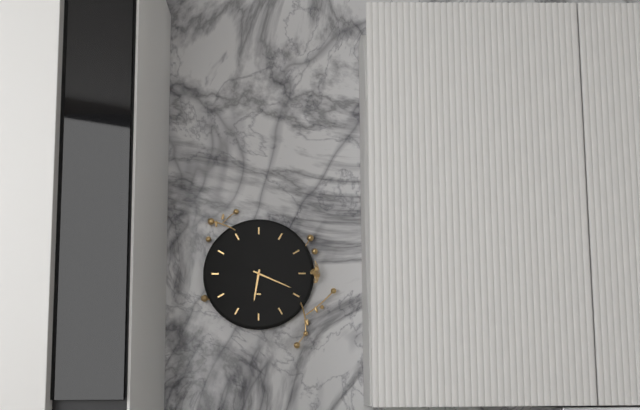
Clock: 6 h 19 min
